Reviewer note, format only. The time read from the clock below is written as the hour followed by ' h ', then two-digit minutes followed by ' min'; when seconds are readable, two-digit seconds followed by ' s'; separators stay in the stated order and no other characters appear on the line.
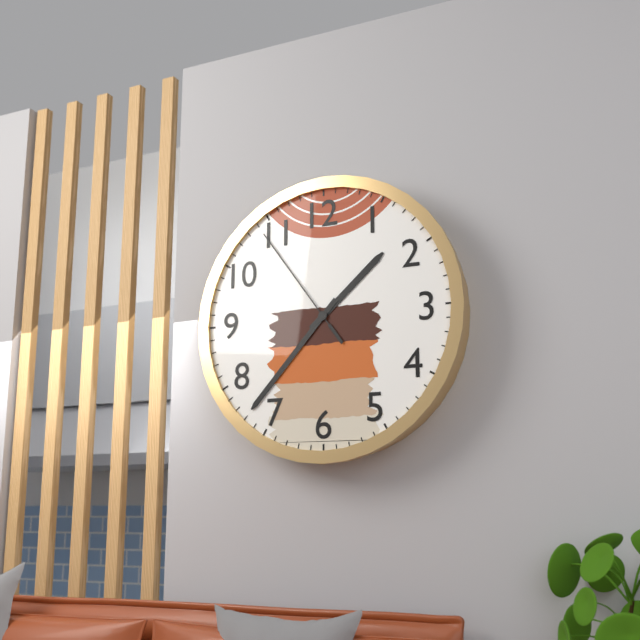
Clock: 1 h 37 min 54 s
